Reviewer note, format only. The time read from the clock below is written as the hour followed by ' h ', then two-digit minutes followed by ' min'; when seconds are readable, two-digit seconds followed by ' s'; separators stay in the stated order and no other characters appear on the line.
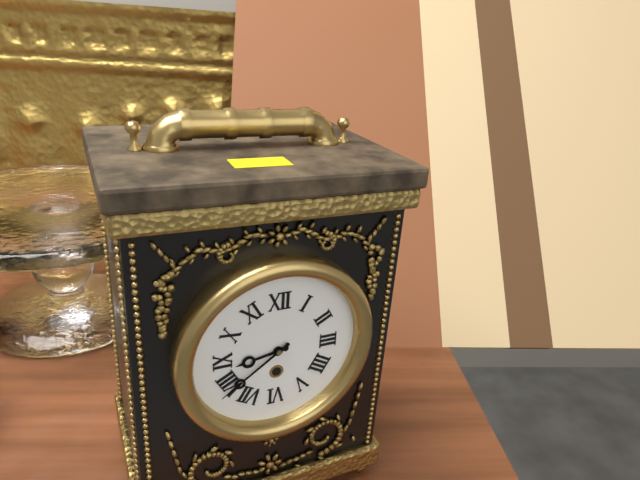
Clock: 8 h 39 min
